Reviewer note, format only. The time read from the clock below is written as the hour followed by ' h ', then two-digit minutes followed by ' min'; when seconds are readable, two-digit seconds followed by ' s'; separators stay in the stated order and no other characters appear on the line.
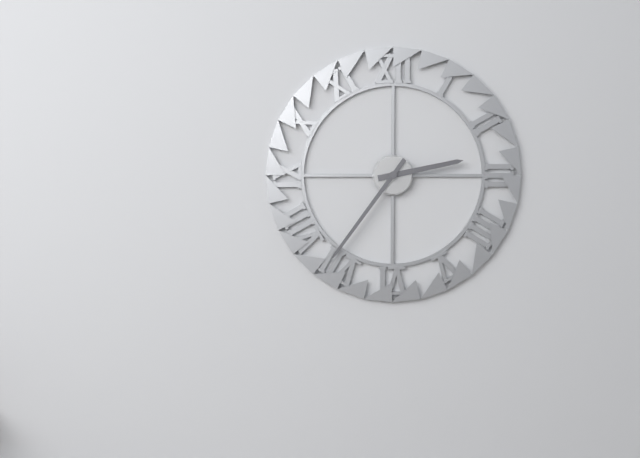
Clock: 2 h 36 min
